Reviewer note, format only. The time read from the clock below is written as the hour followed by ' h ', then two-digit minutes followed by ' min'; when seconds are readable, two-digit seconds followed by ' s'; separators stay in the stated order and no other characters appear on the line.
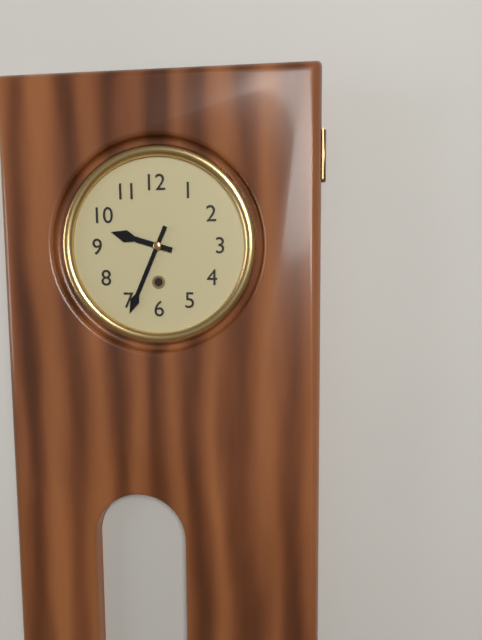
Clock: 9 h 34 min
